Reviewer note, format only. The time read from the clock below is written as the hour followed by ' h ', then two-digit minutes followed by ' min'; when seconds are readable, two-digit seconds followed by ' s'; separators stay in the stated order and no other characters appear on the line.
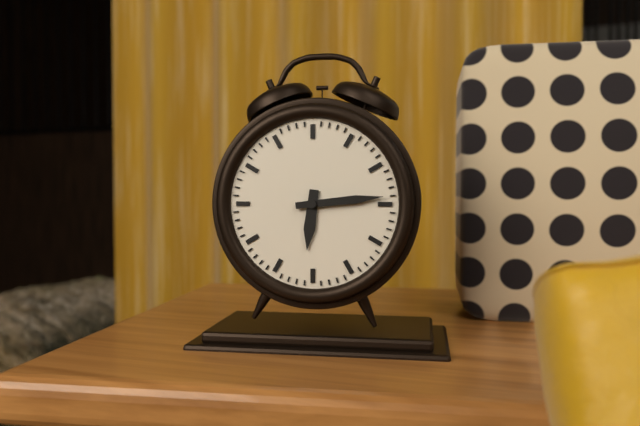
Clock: 6 h 14 min
